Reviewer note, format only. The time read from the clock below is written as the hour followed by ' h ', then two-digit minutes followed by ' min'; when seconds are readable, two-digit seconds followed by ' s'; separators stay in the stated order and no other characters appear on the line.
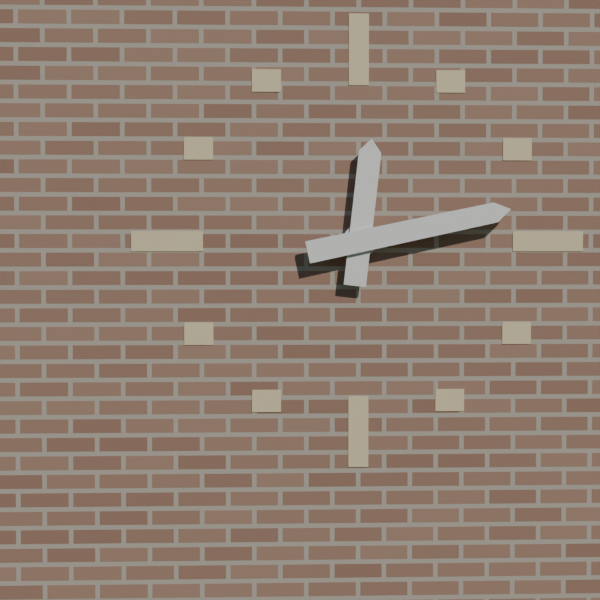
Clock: 12 h 13 min
